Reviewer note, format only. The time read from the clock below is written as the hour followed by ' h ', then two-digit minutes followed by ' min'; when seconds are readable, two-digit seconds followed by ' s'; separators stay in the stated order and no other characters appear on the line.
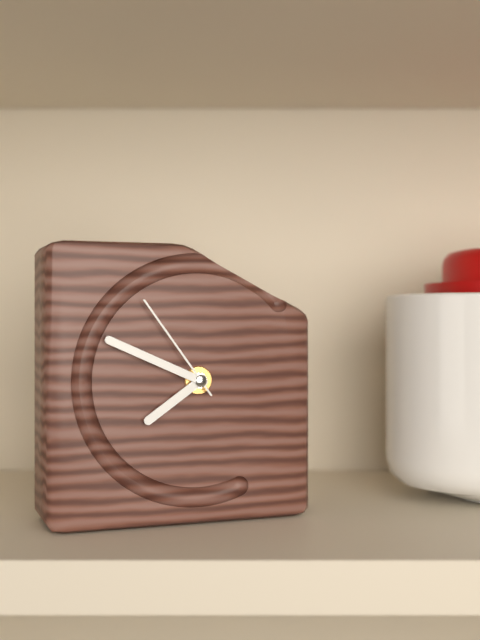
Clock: 7 h 49 min 54 s
